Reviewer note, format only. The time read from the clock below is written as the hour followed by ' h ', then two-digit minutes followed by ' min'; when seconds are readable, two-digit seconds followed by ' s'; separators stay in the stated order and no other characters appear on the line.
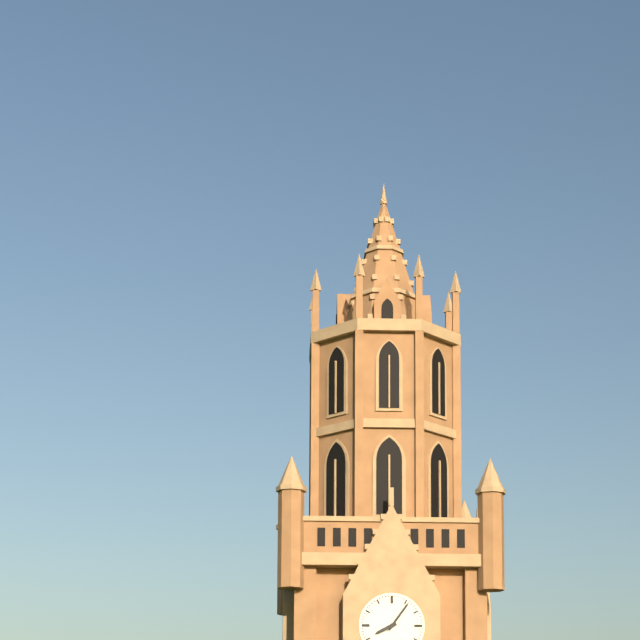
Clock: 8 h 06 min
